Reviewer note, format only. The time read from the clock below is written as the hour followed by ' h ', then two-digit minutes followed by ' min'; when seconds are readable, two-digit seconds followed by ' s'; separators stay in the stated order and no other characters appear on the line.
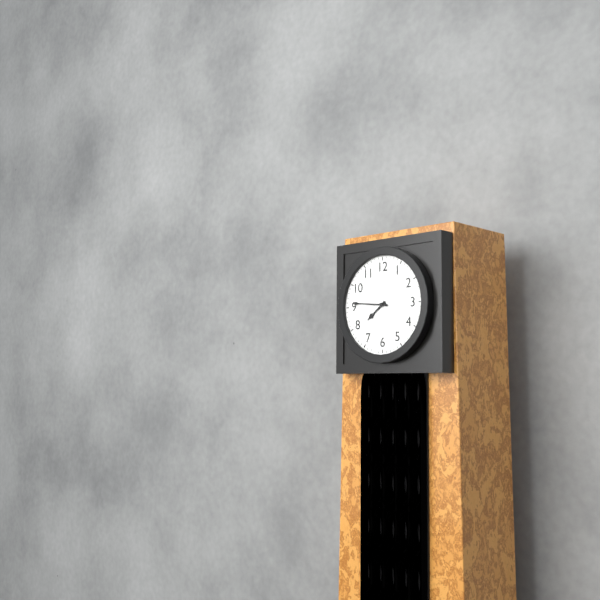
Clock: 7 h 46 min
